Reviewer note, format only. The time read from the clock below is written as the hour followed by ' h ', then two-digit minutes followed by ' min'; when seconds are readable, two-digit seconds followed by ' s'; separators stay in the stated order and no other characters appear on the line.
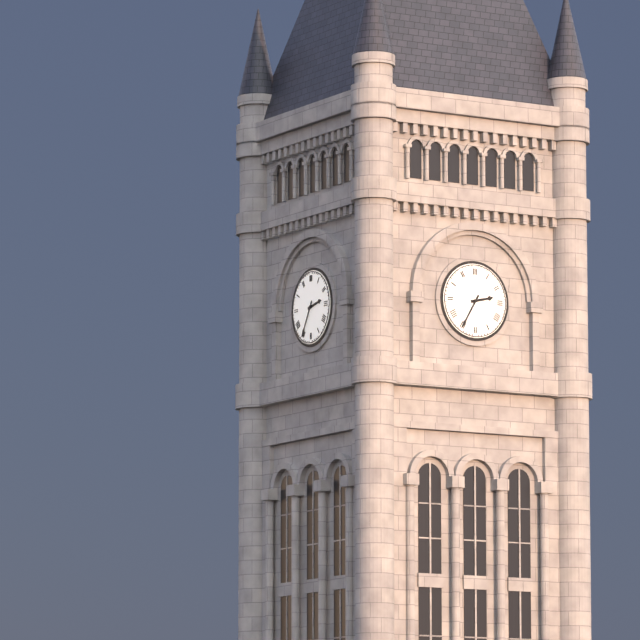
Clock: 2 h 35 min
